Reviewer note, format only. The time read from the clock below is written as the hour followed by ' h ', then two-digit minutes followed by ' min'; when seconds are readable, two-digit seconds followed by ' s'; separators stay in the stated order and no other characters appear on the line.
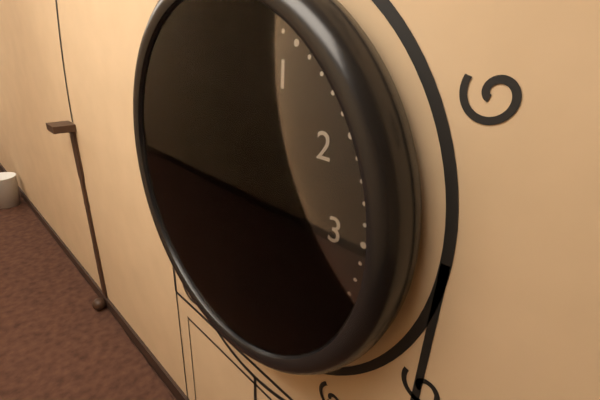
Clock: 4 h 44 min
